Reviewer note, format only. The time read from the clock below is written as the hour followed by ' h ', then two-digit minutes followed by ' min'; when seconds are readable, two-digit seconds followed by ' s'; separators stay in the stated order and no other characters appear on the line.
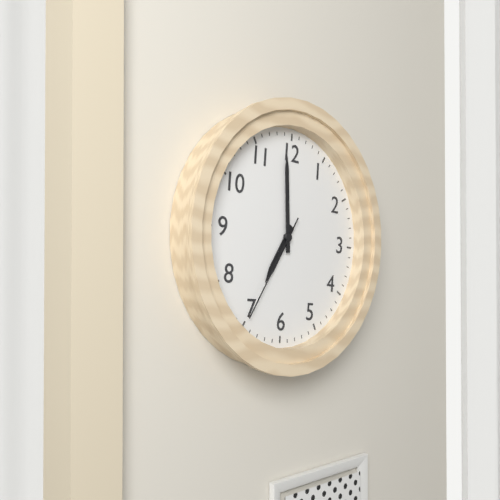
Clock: 6 h 59 min 35 s
